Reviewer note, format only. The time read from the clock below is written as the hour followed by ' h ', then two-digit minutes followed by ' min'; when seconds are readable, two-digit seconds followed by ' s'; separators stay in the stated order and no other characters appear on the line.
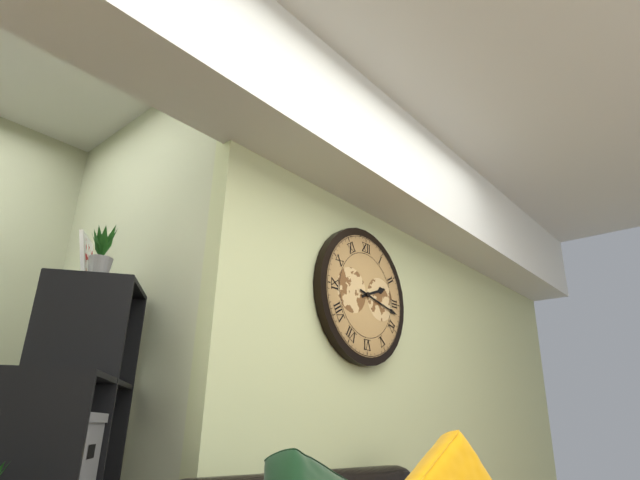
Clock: 2 h 17 min
